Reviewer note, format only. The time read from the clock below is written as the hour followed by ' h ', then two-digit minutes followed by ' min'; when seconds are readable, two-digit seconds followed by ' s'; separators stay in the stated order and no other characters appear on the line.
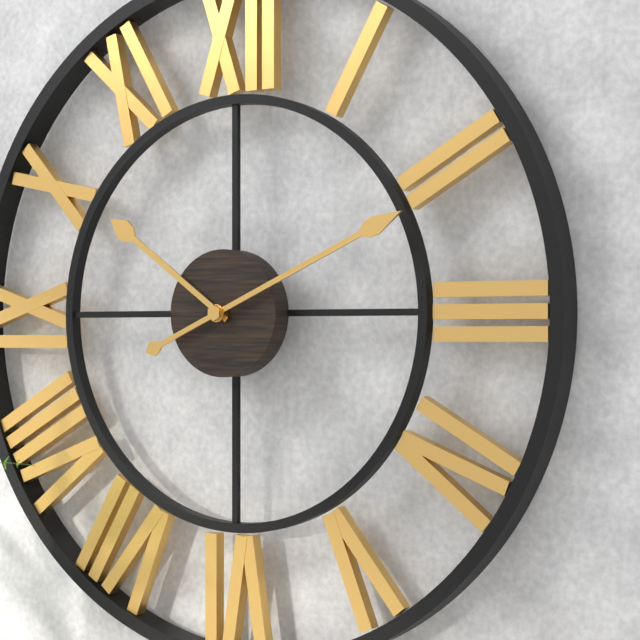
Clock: 10 h 11 min
